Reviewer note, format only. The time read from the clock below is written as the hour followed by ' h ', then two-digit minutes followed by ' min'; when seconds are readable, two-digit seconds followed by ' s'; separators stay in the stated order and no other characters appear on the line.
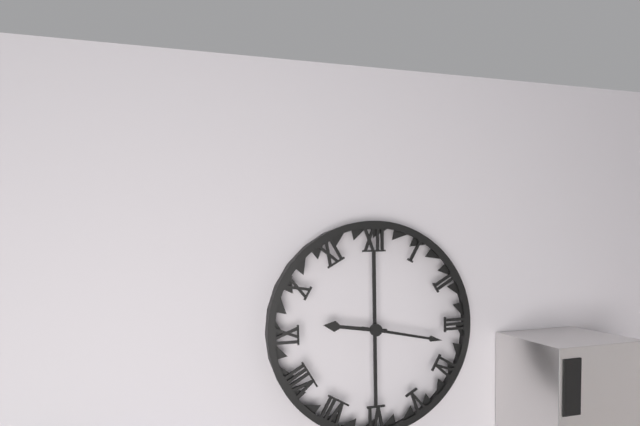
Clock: 9 h 17 min
